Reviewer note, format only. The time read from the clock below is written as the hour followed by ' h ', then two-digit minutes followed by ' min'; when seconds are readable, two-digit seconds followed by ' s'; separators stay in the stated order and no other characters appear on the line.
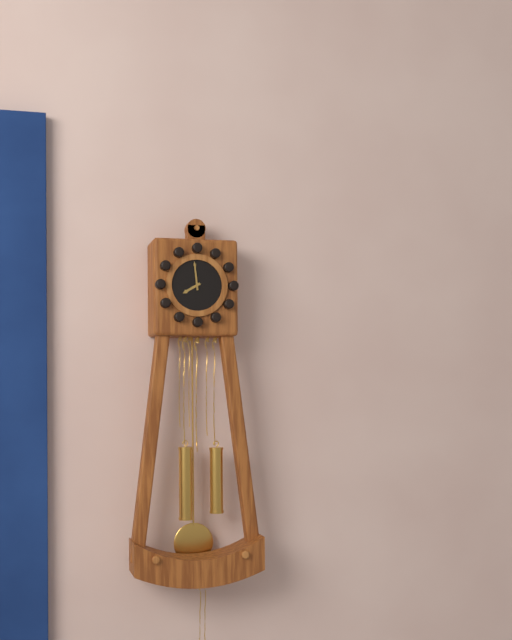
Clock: 7 h 59 min
